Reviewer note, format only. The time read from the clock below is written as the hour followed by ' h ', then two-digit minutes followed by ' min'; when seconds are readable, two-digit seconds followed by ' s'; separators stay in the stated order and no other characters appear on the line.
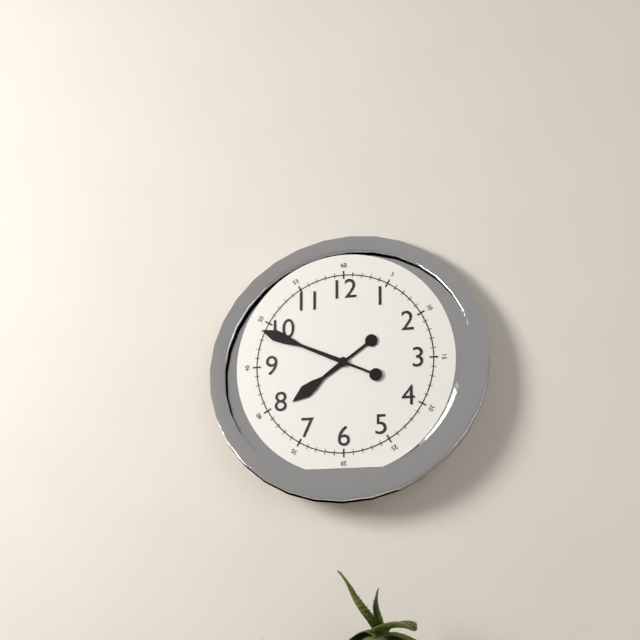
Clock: 7 h 49 min
